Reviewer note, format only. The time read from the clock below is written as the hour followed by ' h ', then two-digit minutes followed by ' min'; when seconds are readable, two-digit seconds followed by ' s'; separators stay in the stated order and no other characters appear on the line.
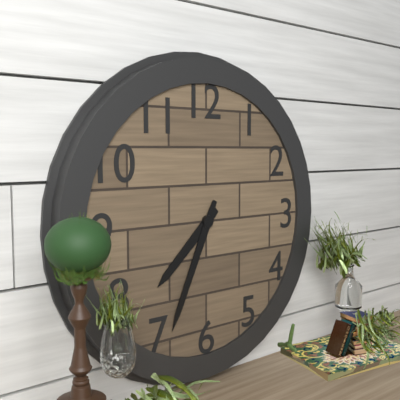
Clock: 7 h 34 min
